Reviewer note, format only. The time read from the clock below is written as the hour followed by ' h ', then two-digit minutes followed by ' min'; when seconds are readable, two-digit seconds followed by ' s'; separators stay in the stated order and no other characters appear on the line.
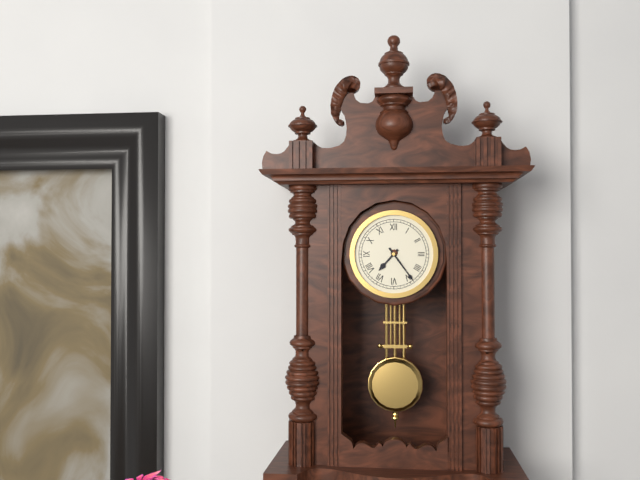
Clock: 7 h 24 min
